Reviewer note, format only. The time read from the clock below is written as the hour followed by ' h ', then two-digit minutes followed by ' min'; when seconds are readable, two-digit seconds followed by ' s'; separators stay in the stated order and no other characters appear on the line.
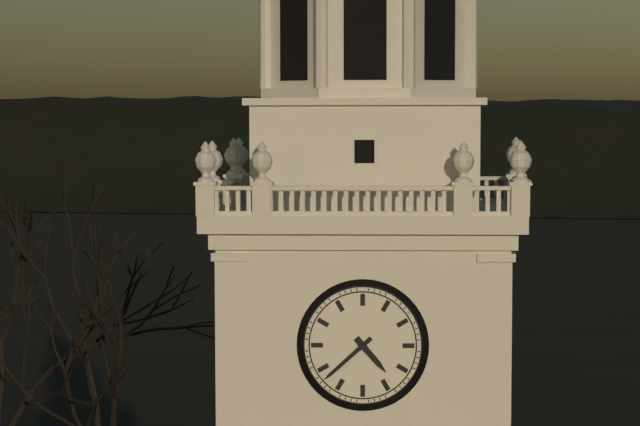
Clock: 4 h 38 min
